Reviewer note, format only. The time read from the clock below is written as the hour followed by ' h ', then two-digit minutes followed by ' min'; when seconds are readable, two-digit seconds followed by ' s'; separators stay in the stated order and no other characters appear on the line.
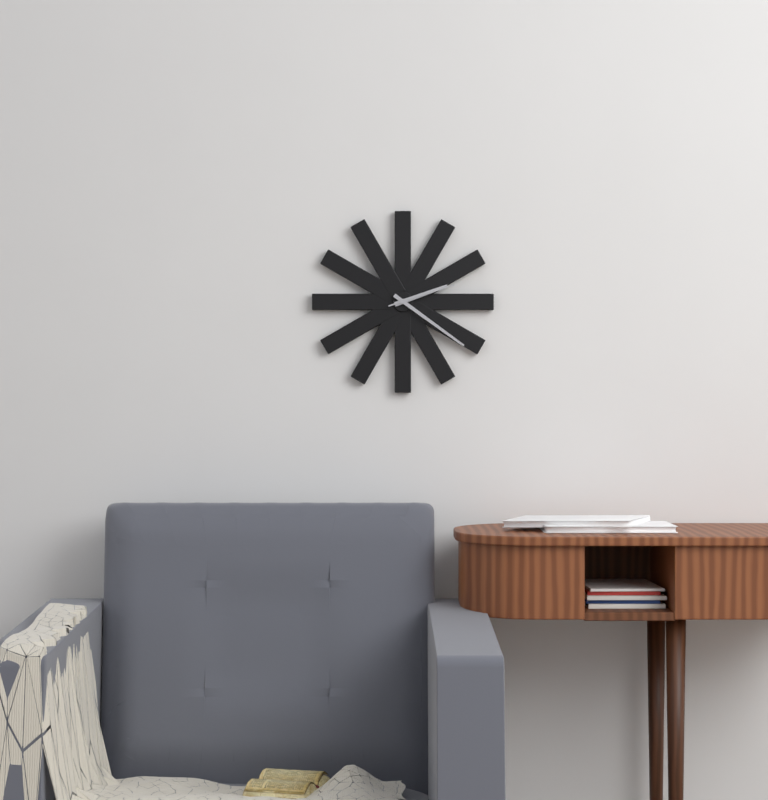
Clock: 2 h 21 min 12 s
